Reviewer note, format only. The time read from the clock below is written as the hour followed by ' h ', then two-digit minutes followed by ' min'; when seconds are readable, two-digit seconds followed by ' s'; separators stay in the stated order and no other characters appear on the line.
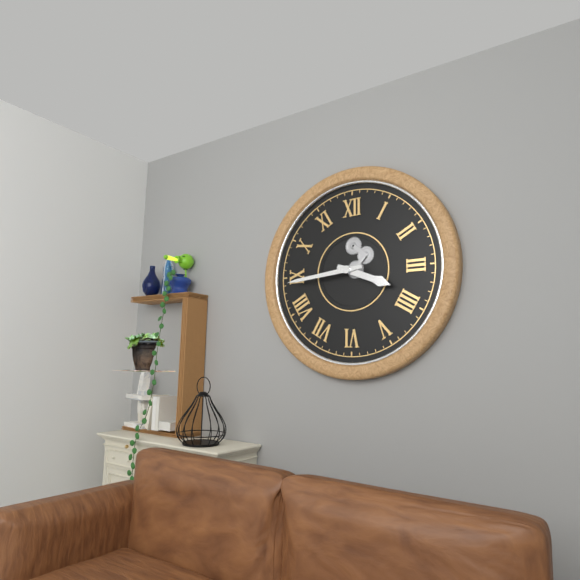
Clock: 3 h 44 min
